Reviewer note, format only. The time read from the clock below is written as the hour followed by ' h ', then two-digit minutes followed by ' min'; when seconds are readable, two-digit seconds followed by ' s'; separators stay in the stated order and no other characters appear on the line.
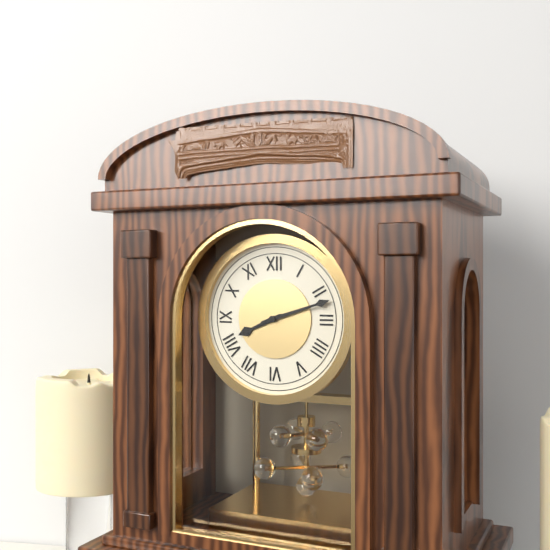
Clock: 8 h 12 min
